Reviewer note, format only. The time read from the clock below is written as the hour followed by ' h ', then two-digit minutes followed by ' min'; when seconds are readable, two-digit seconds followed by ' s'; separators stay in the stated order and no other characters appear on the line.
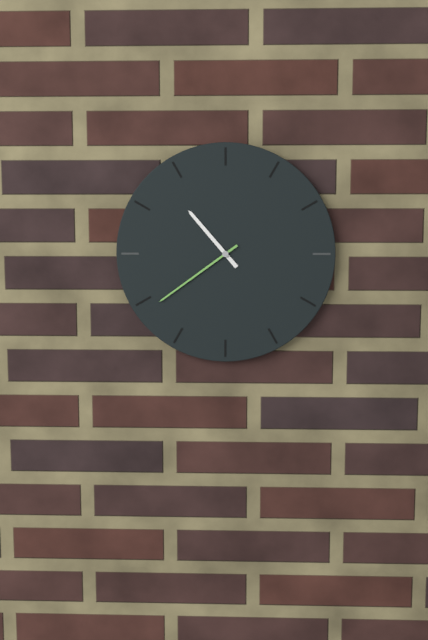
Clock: 10 h 39 min
